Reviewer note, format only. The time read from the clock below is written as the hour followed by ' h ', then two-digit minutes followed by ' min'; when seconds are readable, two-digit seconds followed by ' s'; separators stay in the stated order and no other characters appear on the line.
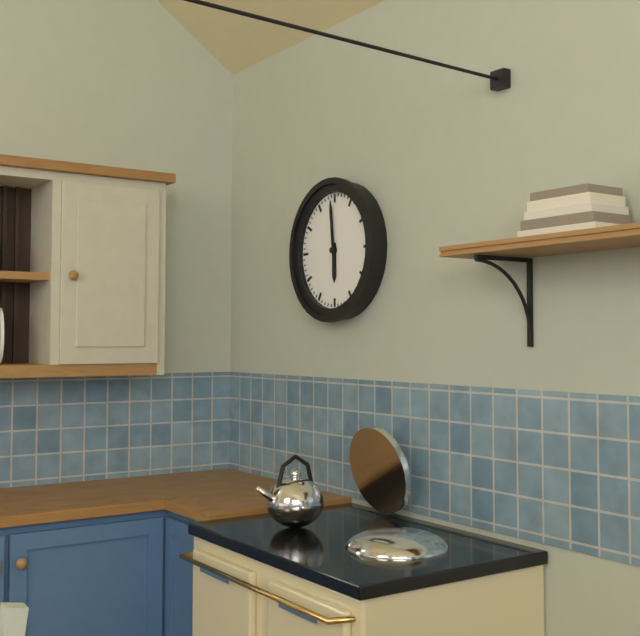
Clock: 5 h 59 min
